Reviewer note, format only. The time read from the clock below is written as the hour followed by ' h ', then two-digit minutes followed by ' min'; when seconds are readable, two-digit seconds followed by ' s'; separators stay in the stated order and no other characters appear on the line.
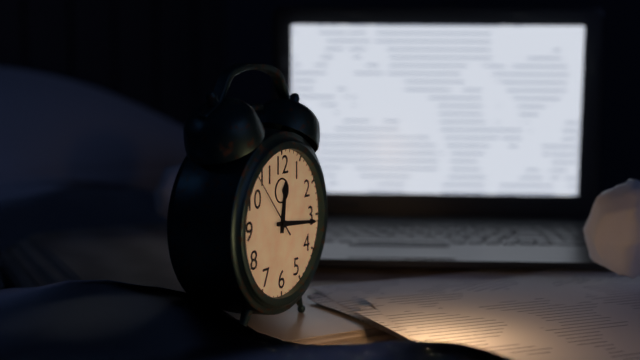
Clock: 12 h 16 min 53 s
